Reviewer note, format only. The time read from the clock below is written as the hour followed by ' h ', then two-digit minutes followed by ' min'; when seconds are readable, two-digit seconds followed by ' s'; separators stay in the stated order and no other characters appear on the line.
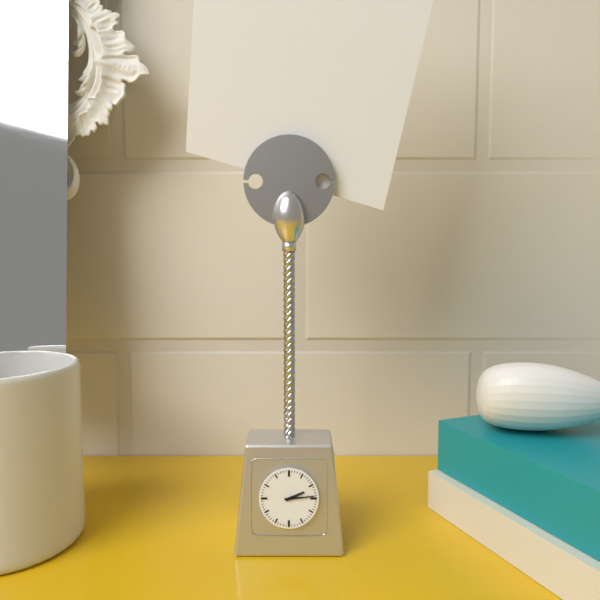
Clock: 2 h 14 min
